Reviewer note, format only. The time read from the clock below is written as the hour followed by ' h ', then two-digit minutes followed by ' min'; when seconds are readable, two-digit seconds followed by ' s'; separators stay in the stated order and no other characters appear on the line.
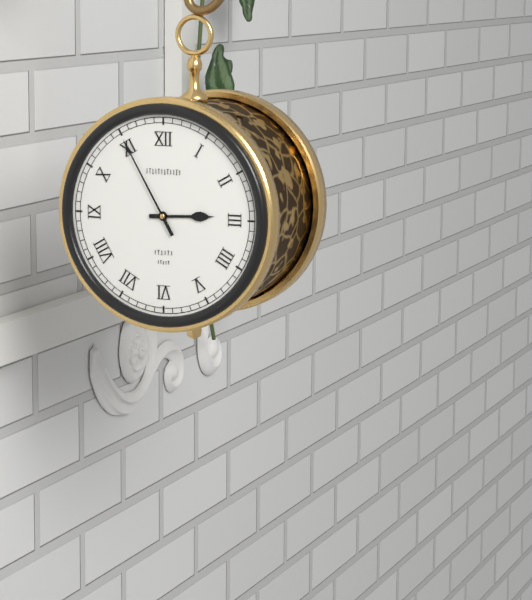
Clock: 2 h 55 min
